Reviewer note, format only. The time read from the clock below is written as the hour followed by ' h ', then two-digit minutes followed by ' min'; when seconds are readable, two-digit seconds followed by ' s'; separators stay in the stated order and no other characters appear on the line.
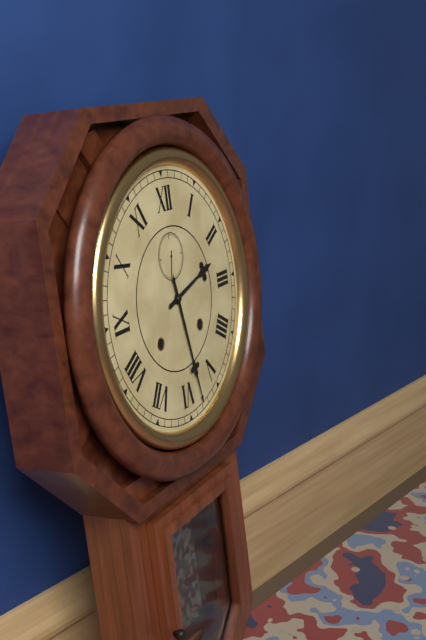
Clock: 2 h 28 min
